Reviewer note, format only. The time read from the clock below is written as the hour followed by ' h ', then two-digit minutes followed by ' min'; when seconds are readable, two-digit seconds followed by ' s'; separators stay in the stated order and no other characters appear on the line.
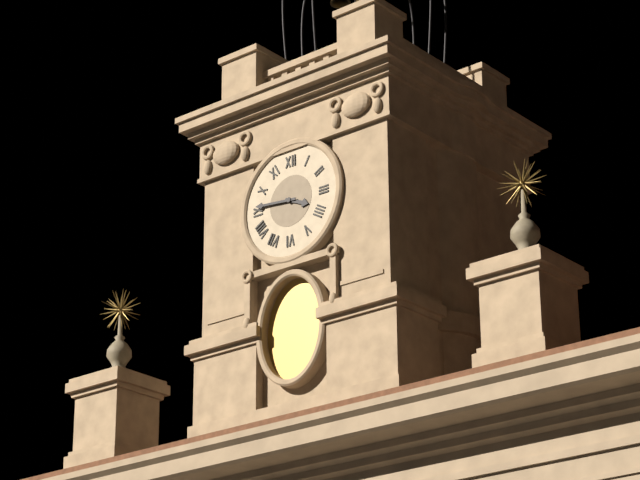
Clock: 3 h 46 min
